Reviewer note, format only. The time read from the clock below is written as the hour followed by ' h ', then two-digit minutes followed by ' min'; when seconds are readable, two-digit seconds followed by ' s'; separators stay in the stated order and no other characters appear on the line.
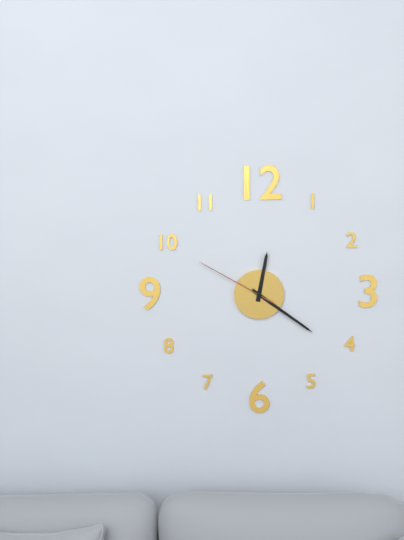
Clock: 12 h 21 min 50 s
